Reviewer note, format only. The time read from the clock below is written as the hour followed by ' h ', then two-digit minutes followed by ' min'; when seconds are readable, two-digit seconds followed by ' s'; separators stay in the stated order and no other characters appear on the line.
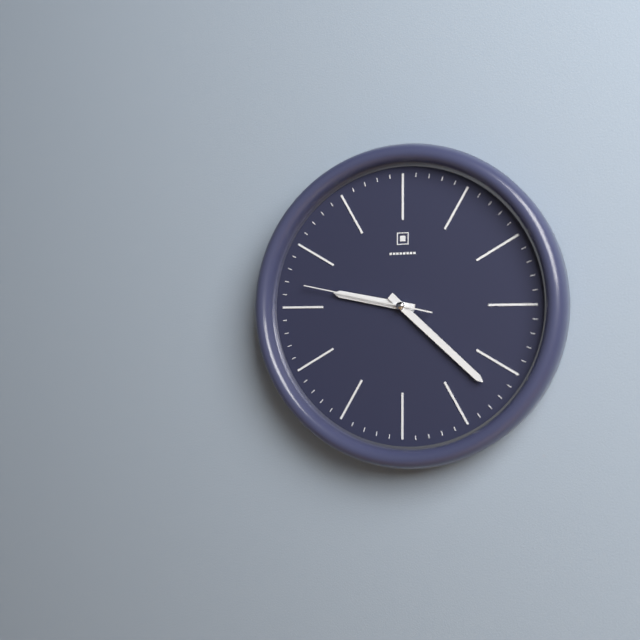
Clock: 9 h 22 min 47 s
